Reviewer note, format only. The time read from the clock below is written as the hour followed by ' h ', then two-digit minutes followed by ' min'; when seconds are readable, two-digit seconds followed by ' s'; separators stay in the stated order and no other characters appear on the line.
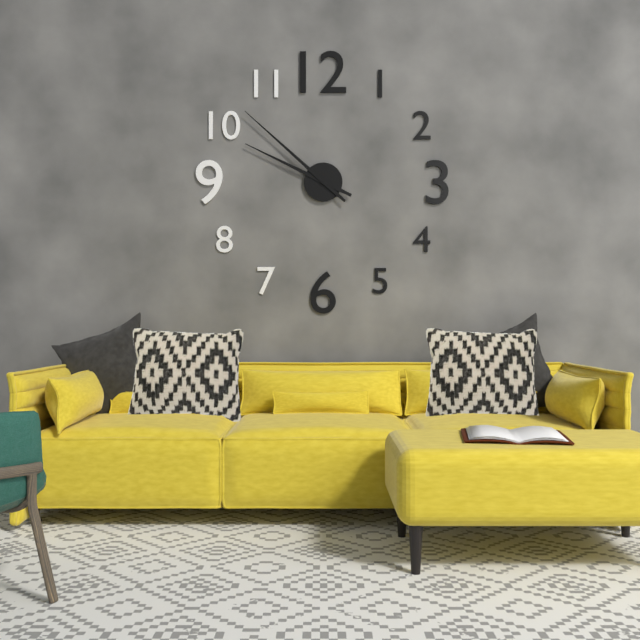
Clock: 9 h 52 min
